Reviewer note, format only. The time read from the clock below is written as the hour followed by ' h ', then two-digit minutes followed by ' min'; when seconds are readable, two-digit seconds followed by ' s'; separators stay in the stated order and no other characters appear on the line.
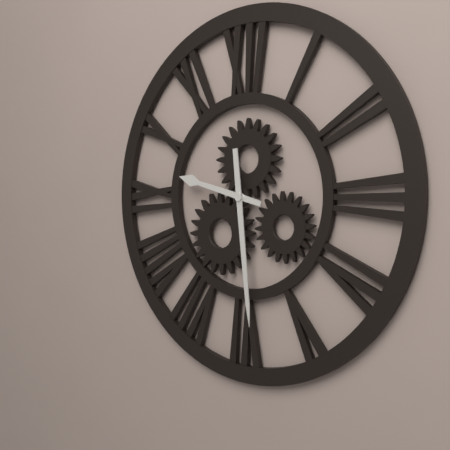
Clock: 9 h 29 min
